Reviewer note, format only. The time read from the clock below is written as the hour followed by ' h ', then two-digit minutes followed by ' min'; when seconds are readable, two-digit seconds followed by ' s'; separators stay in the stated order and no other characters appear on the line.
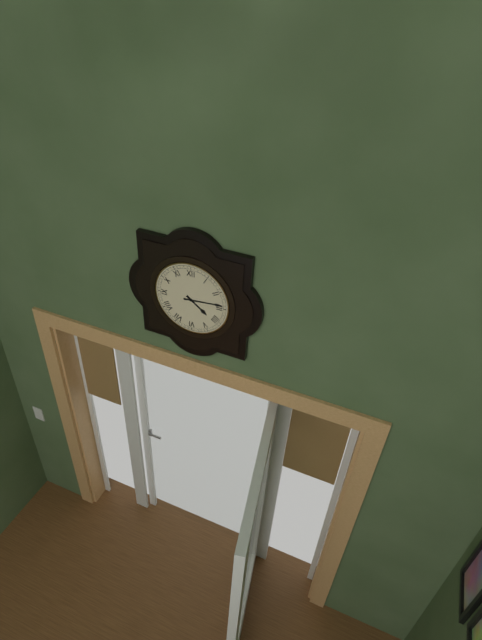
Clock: 4 h 14 min
